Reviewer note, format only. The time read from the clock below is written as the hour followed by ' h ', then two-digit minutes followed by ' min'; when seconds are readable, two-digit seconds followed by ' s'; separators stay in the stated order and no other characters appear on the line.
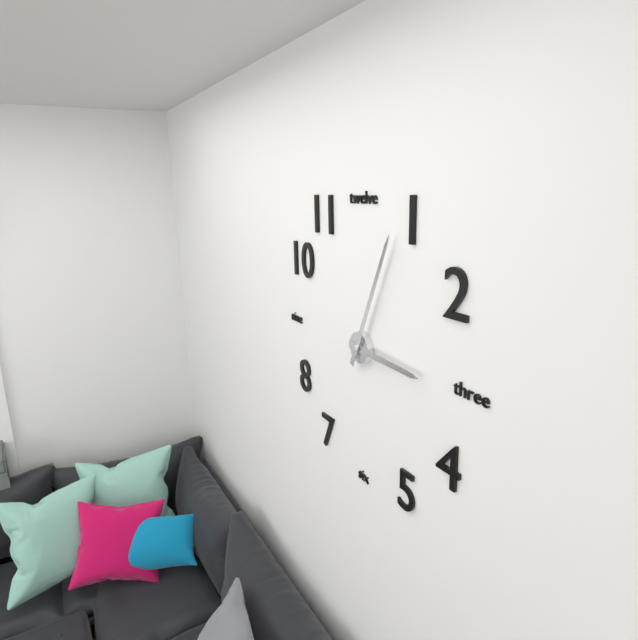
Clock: 3 h 04 min
